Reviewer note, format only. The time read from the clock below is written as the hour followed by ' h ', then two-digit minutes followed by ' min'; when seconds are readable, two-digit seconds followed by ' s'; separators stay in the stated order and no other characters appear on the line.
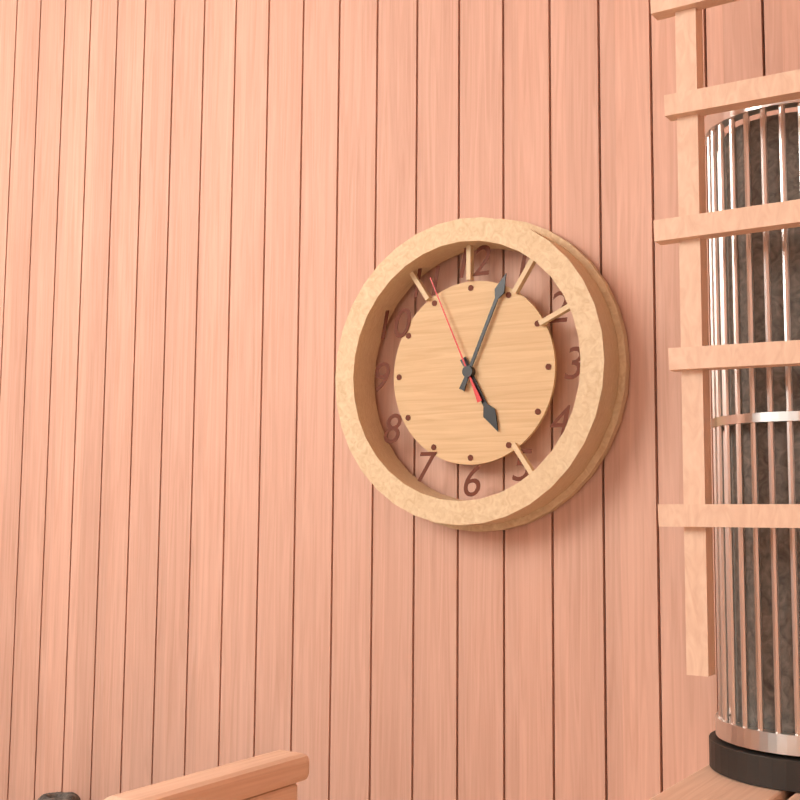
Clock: 5 h 04 min 56 s
